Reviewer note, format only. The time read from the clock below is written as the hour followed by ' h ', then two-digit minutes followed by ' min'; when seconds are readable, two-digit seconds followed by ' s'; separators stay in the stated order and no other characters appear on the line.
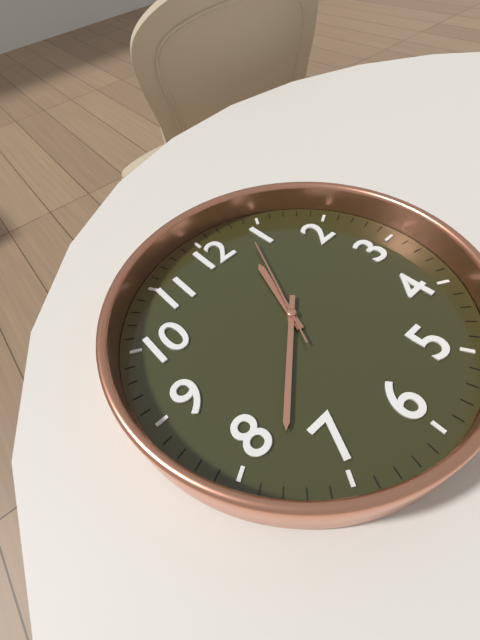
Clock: 12 h 38 min 04 s
